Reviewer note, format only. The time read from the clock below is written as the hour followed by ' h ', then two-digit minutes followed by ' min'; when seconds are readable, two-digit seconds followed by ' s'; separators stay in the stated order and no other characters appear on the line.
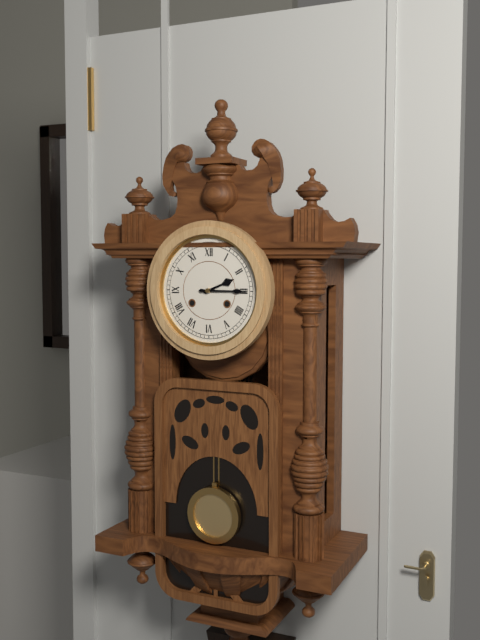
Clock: 2 h 15 min
